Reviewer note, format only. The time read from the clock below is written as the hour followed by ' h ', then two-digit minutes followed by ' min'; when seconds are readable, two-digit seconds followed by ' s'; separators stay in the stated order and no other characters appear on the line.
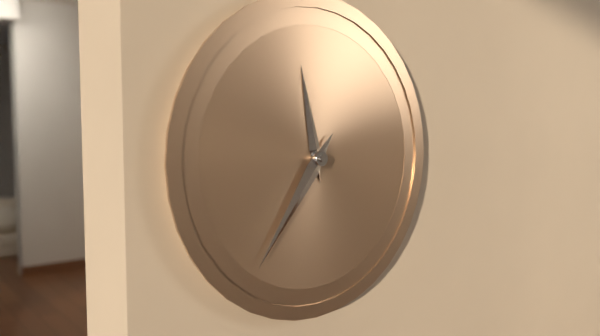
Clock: 11 h 36 min
